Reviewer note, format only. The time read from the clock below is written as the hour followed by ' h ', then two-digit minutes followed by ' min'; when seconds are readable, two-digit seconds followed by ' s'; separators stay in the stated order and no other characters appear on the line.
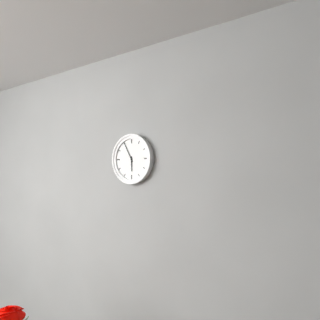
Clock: 5 h 55 min
